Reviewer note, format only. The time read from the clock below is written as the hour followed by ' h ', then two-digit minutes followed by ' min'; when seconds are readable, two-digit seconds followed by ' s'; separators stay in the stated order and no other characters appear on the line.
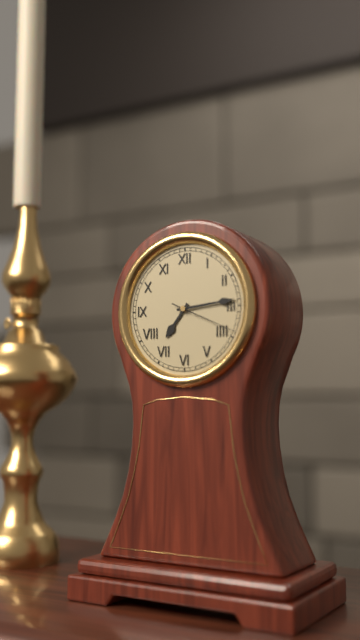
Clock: 7 h 14 min
